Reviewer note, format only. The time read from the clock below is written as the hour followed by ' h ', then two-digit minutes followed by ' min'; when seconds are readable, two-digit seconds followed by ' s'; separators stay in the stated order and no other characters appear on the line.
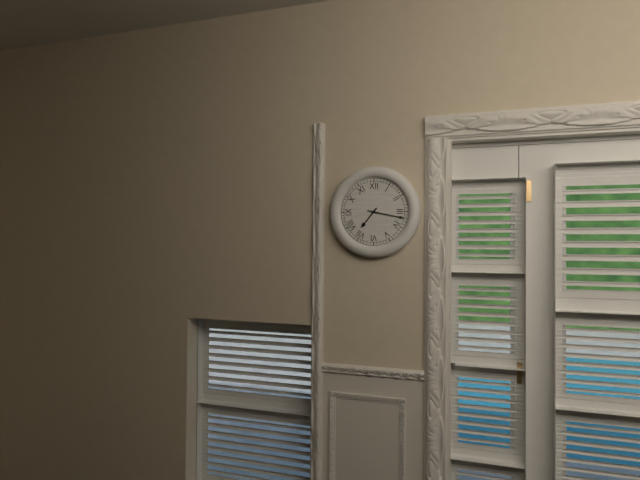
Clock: 7 h 17 min
